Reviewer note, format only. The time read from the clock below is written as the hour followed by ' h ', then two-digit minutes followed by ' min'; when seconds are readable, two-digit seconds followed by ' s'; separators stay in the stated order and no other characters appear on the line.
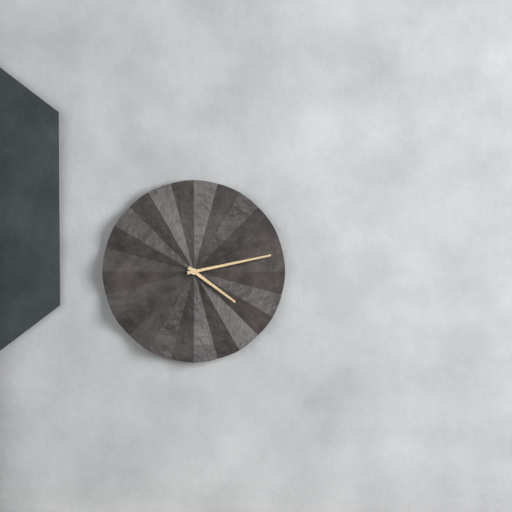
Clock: 4 h 13 min
